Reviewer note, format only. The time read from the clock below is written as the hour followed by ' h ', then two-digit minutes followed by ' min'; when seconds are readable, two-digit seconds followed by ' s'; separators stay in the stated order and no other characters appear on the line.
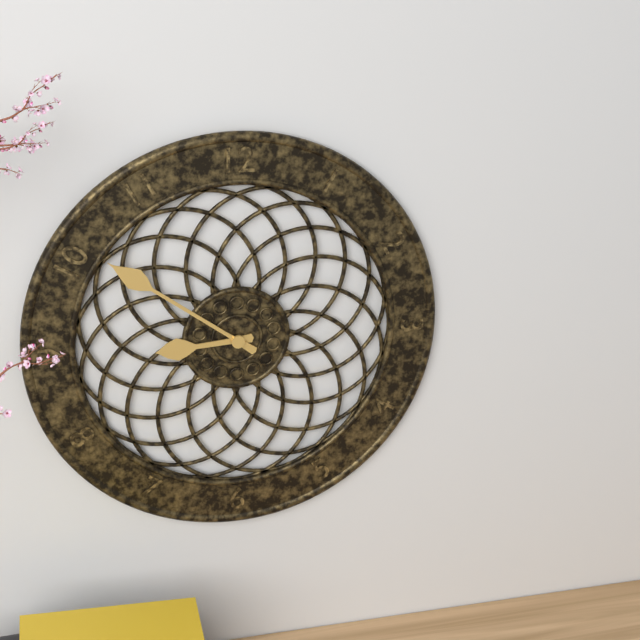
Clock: 8 h 51 min
